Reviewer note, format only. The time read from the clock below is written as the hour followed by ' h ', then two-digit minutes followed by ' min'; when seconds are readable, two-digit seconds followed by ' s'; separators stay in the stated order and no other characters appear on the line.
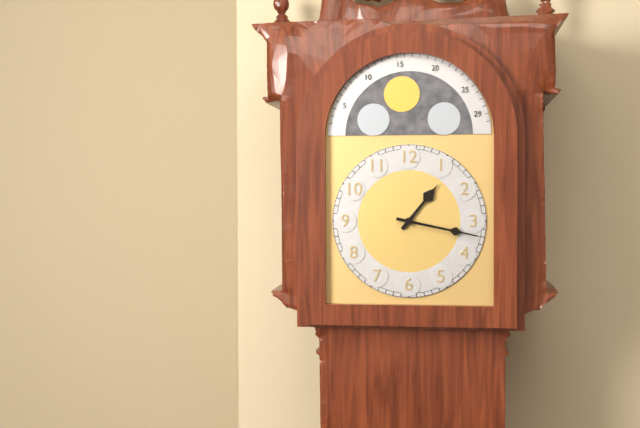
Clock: 1 h 17 min
